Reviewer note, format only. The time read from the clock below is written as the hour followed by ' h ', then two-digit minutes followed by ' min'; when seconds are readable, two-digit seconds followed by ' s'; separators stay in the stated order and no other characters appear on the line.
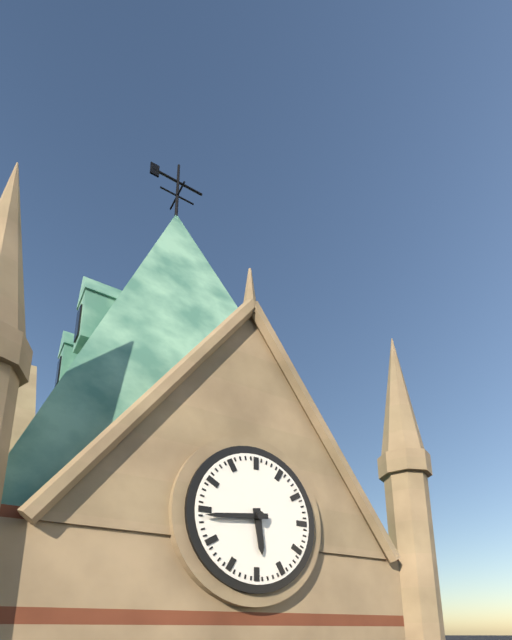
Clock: 5 h 44 min
